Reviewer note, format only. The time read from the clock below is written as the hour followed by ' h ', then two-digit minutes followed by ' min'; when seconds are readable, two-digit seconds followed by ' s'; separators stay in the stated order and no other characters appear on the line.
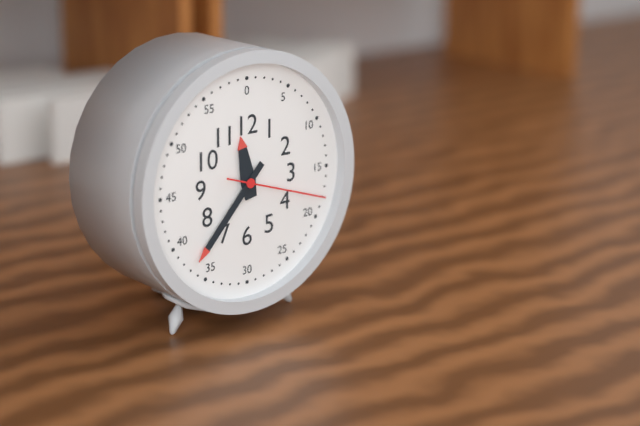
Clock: 11 h 37 min 18 s
